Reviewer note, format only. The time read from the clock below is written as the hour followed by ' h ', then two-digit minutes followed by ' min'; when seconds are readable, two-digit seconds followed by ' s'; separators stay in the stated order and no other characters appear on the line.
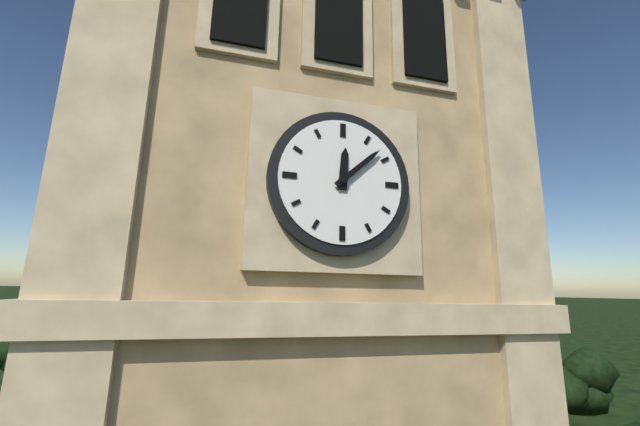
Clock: 12 h 08 min
